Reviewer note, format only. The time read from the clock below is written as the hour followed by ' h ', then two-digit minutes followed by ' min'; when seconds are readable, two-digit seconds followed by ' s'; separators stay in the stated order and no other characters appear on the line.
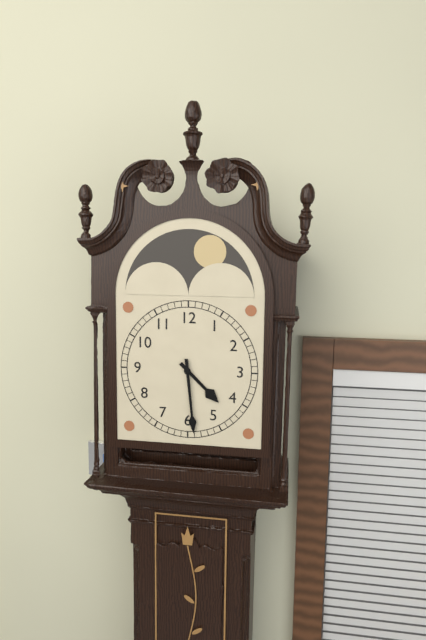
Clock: 4 h 29 min
